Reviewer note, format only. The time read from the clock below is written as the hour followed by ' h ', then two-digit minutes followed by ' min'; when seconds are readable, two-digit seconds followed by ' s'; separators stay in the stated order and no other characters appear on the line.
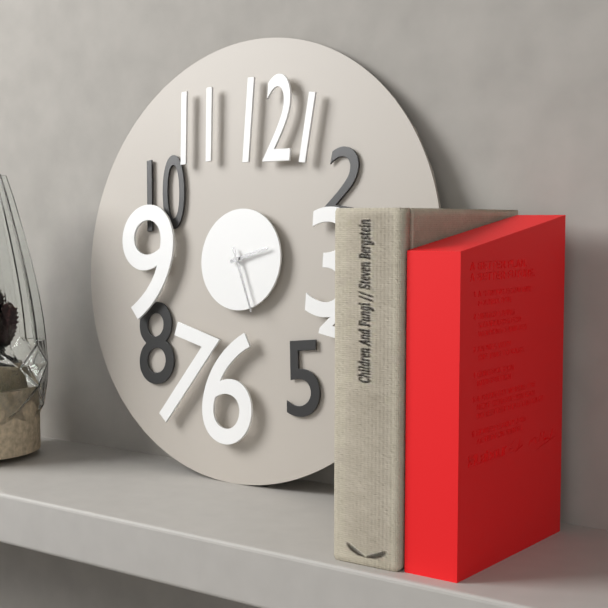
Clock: 2 h 26 min
